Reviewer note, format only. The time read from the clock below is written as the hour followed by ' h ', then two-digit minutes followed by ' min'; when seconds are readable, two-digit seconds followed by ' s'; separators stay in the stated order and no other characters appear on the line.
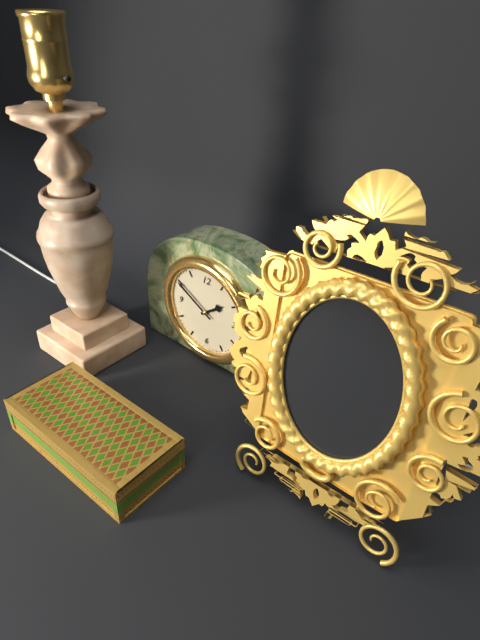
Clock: 1 h 50 min
